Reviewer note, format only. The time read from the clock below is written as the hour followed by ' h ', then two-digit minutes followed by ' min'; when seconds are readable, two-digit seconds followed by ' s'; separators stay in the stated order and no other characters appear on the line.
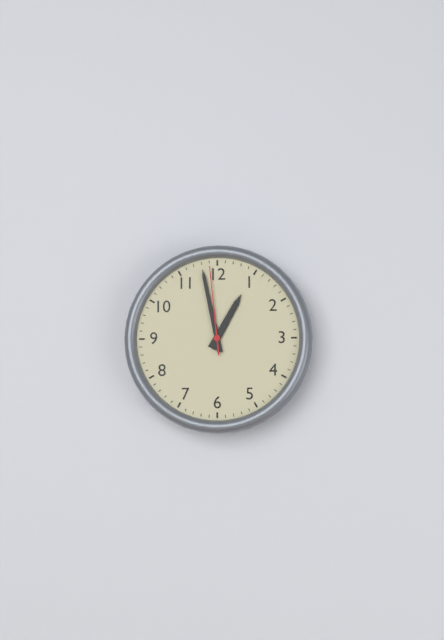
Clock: 12 h 58 min 59 s
